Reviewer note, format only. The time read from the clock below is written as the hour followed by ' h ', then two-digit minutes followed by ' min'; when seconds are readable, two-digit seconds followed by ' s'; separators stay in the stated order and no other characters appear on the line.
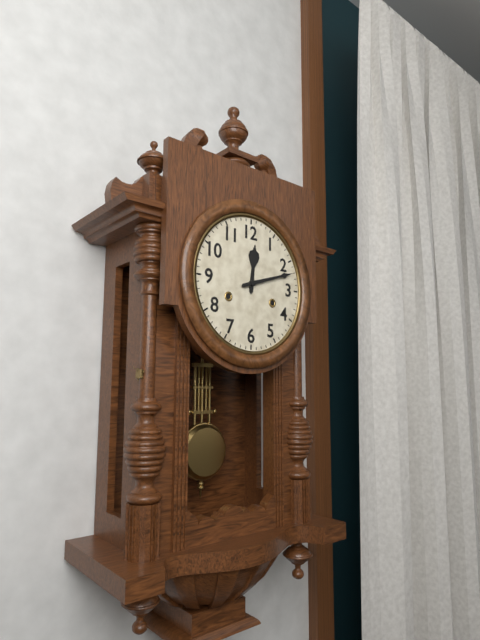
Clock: 12 h 12 min
